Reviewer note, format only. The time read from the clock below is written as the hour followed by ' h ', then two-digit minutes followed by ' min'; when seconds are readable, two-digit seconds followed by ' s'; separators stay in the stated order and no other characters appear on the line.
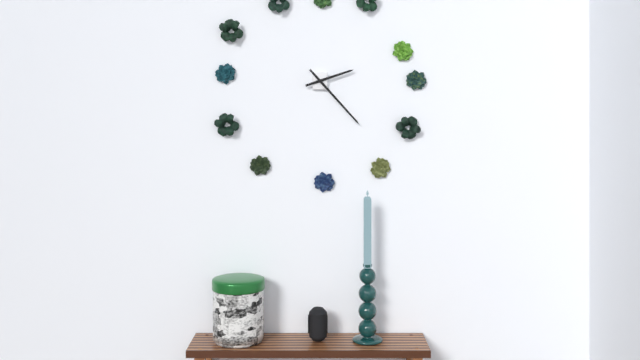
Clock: 2 h 23 min
